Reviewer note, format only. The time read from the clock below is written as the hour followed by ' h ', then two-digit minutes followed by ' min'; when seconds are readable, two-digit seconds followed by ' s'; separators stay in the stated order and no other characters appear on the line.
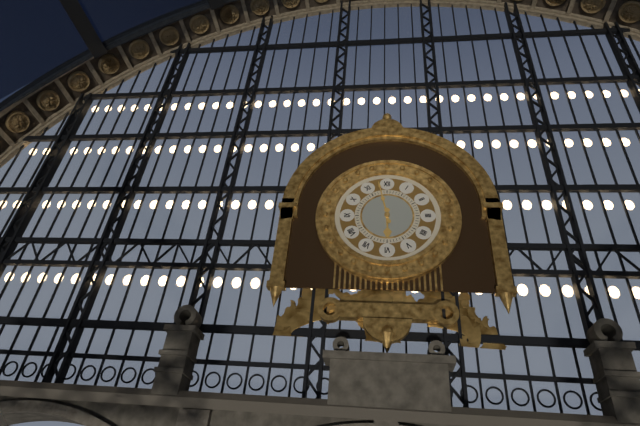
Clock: 5 h 58 min
